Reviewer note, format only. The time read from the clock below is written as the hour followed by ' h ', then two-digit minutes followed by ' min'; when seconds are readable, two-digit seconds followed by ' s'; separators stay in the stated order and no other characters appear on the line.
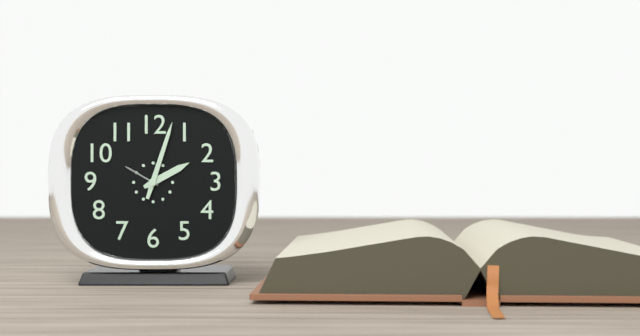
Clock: 2 h 03 min
